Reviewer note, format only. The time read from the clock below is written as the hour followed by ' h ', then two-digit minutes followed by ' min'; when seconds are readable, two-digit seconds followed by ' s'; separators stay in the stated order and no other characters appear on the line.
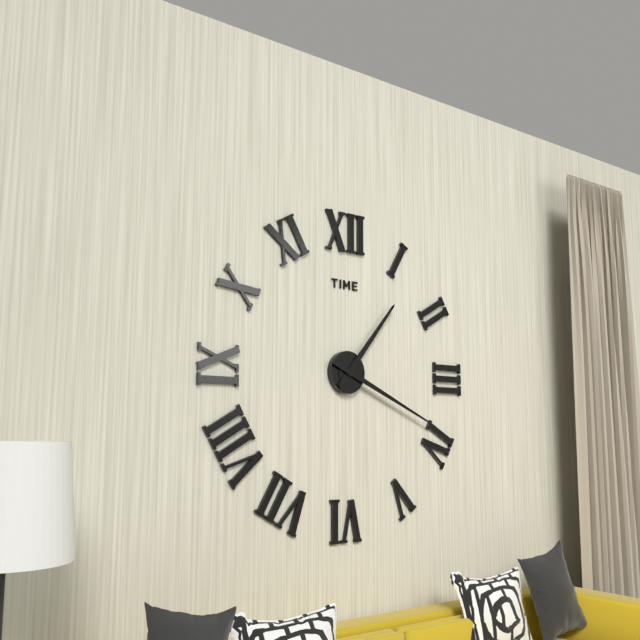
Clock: 1 h 19 min
